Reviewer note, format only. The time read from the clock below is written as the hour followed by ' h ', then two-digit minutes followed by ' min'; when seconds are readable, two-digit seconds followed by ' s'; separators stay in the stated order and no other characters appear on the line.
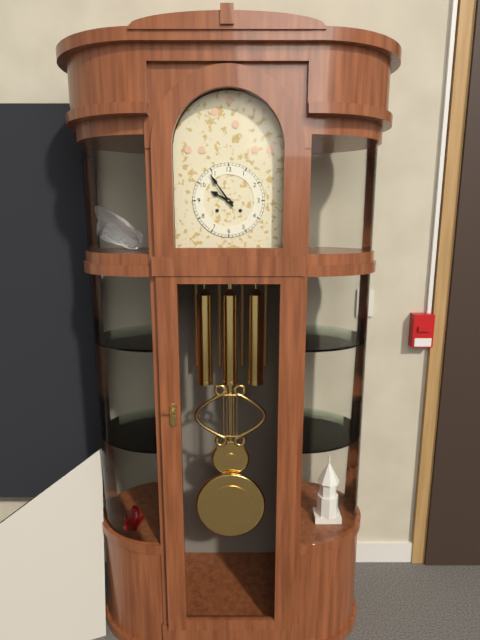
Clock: 9 h 54 min
